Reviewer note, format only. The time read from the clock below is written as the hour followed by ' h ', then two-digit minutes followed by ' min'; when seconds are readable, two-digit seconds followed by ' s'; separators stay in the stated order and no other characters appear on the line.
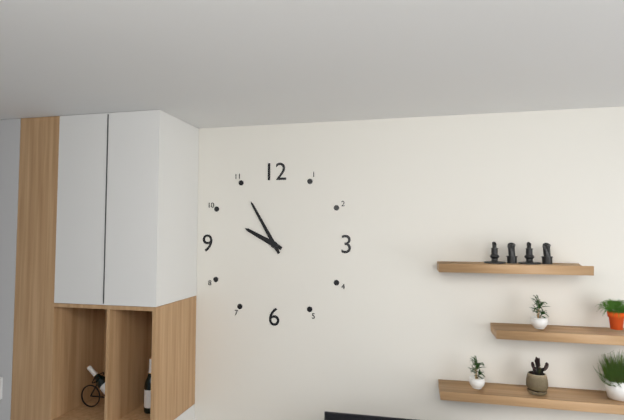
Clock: 9 h 55 min
